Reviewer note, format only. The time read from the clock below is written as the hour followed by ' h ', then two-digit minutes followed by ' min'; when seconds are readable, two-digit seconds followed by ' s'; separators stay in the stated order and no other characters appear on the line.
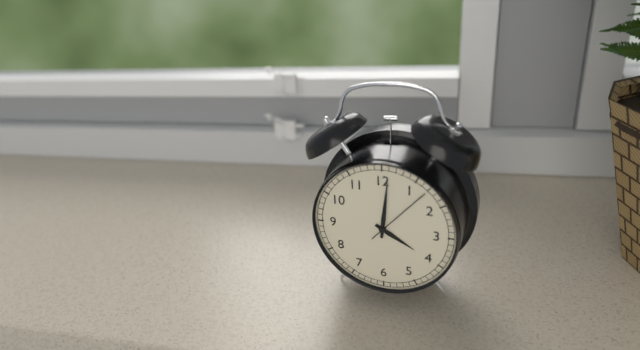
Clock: 4 h 01 min 07 s
